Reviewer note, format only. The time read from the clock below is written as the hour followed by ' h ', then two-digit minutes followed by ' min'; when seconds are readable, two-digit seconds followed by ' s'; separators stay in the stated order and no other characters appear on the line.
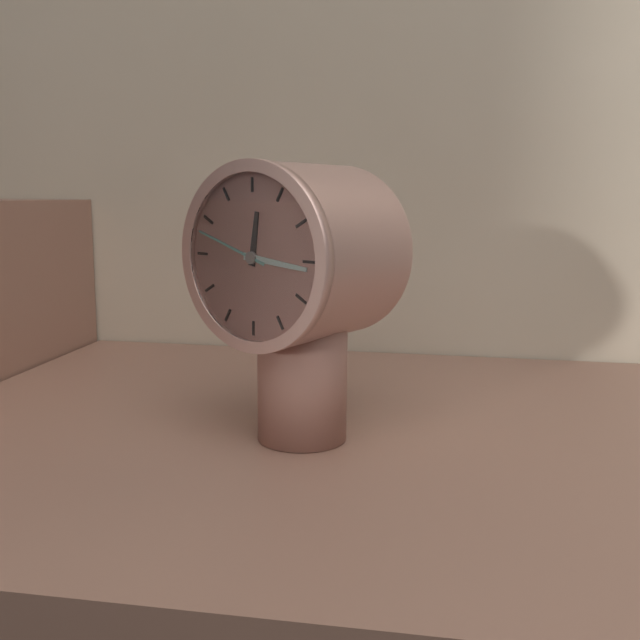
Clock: 12 h 16 min 48 s
